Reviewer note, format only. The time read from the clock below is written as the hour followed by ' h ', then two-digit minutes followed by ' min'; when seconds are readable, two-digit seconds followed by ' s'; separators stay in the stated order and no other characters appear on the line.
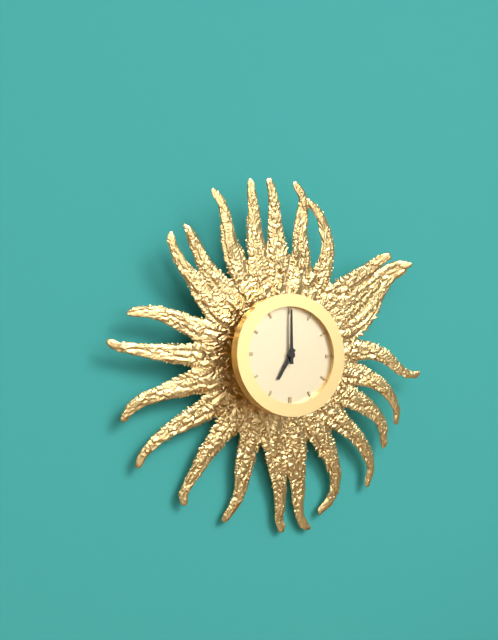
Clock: 7 h 00 min
